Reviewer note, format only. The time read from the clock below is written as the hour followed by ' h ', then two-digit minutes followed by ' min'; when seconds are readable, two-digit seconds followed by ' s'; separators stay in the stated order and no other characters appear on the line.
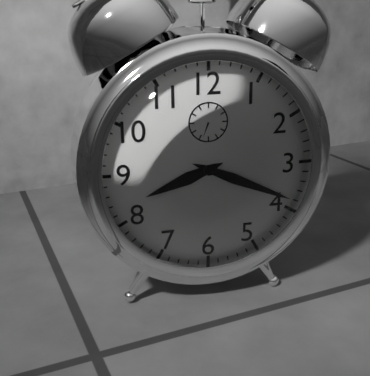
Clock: 8 h 19 min
